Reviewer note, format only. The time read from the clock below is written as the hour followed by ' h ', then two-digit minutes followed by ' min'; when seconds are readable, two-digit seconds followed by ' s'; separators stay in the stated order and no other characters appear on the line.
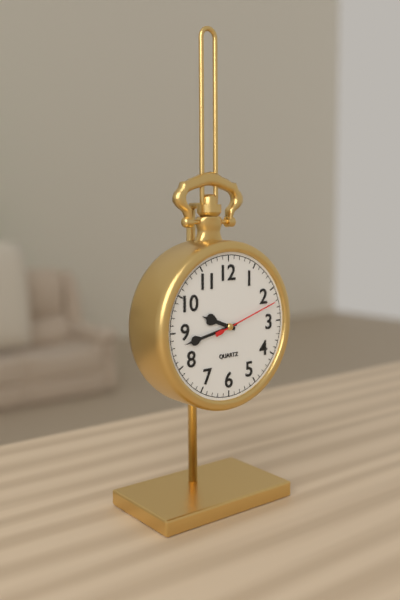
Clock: 9 h 43 min 12 s
